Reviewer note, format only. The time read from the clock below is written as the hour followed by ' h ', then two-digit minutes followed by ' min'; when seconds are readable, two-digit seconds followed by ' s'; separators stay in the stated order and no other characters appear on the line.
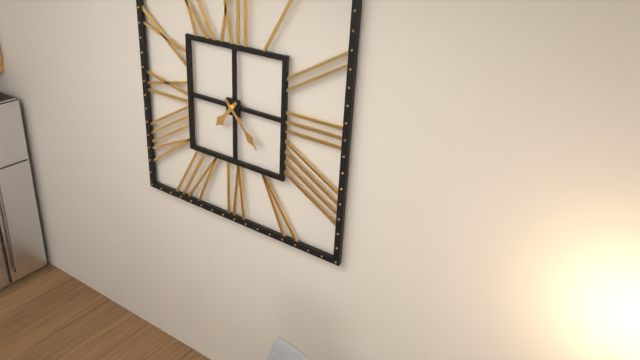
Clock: 7 h 23 min
